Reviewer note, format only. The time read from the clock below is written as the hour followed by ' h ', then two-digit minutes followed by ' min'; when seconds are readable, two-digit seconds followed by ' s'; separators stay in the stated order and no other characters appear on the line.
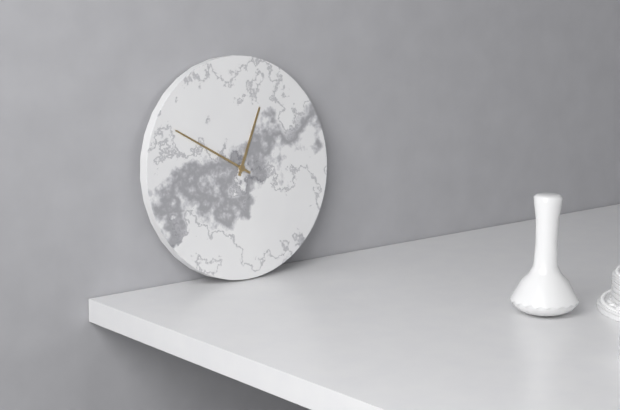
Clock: 12 h 50 min
